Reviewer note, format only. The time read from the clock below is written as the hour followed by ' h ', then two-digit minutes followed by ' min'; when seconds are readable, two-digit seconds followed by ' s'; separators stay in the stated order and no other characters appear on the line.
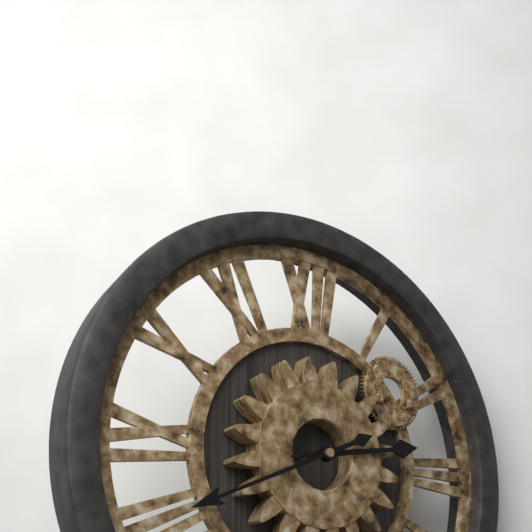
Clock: 2 h 41 min
